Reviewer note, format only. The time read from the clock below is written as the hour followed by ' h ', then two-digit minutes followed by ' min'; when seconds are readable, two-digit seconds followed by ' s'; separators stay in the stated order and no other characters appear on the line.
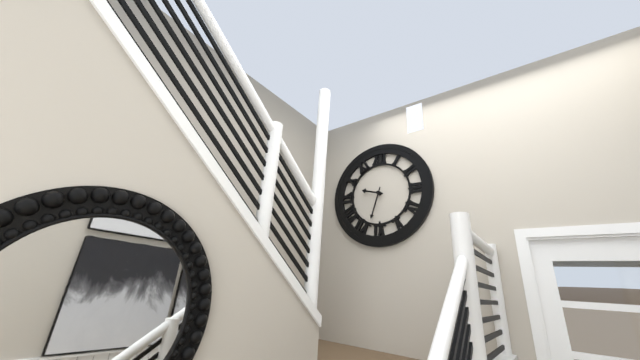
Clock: 9 h 33 min
